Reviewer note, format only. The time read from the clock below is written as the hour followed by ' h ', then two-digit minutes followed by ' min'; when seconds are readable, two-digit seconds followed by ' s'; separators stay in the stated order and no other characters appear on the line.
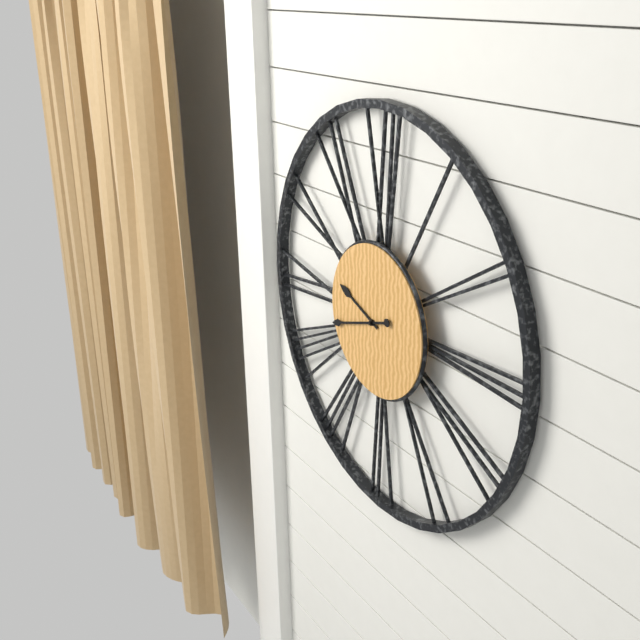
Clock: 9 h 42 min
